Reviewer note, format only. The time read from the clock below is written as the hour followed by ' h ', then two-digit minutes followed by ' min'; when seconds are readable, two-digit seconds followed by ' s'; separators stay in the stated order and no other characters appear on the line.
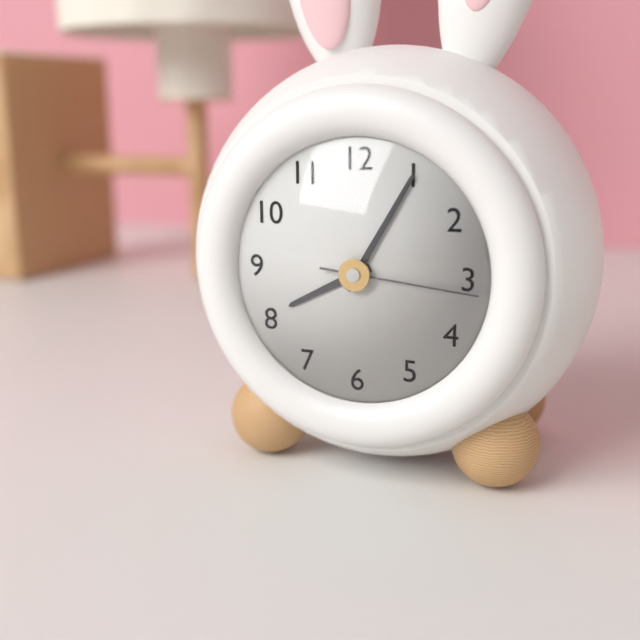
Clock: 8 h 05 min 16 s
